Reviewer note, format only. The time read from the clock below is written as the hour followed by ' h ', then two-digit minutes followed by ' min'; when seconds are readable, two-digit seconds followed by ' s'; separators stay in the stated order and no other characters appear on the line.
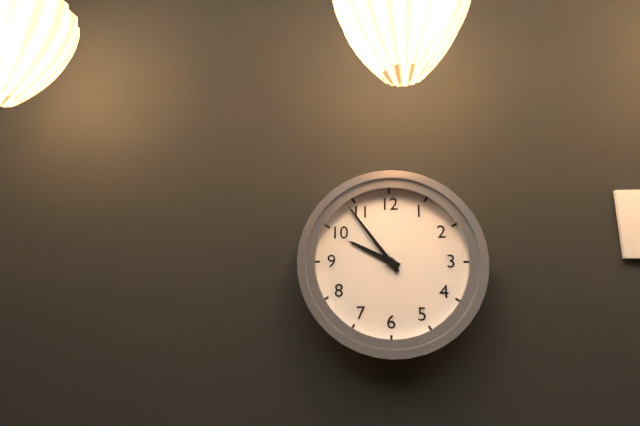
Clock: 9 h 54 min
